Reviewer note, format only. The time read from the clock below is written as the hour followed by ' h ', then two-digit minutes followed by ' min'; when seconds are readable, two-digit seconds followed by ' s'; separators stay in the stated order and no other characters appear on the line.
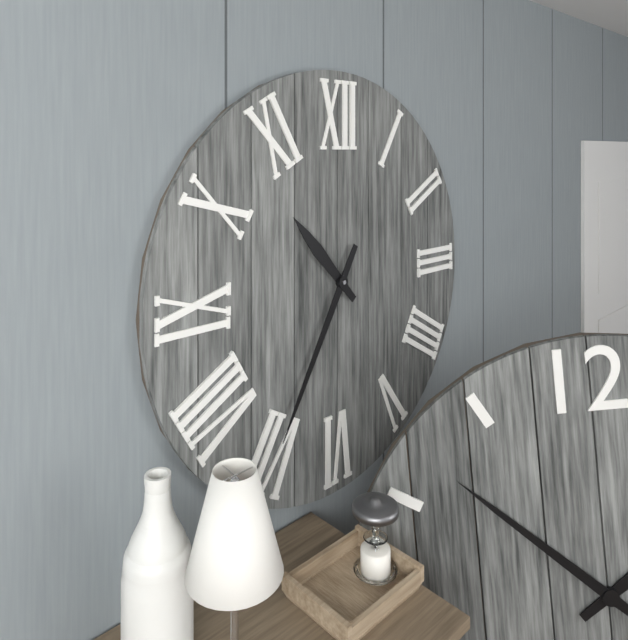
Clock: 10 h 35 min
